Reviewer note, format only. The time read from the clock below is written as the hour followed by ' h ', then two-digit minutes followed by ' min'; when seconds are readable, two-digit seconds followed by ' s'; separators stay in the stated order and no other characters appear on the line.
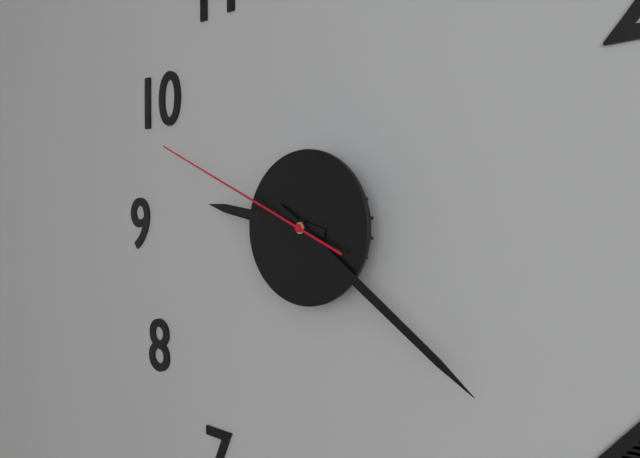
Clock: 9 h 21 min 49 s
